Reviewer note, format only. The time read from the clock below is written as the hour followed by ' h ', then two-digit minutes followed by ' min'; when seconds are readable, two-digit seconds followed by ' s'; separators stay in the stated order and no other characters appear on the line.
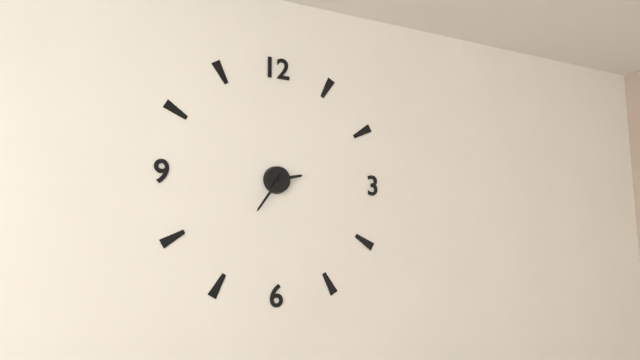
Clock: 2 h 36 min
